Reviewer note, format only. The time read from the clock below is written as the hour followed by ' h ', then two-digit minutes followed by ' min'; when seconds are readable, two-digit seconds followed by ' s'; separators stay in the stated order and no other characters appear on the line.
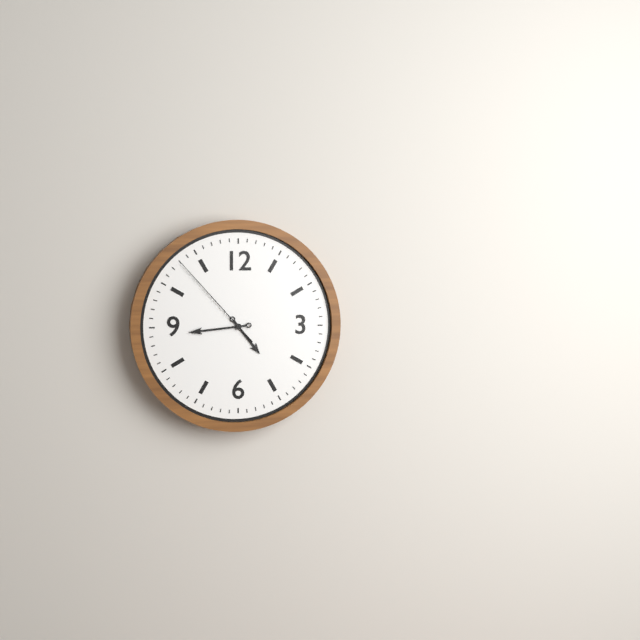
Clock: 4 h 44 min 53 s
